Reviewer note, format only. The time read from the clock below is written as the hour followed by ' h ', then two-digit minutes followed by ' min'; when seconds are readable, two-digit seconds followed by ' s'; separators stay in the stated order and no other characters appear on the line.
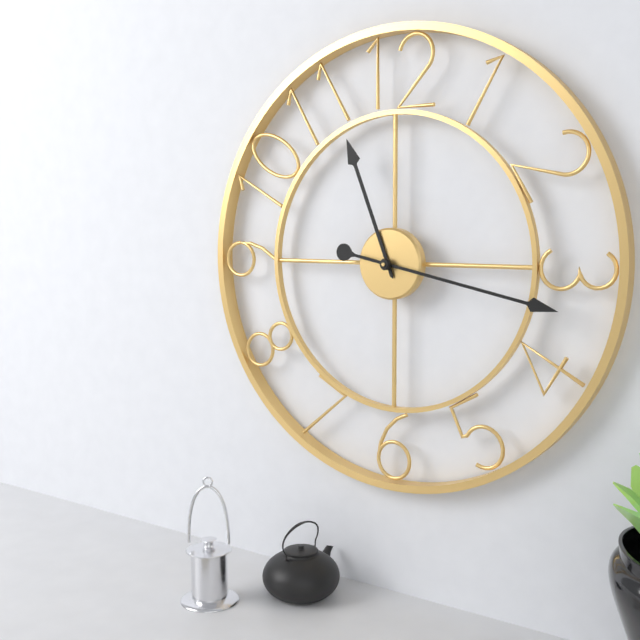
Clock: 11 h 17 min
